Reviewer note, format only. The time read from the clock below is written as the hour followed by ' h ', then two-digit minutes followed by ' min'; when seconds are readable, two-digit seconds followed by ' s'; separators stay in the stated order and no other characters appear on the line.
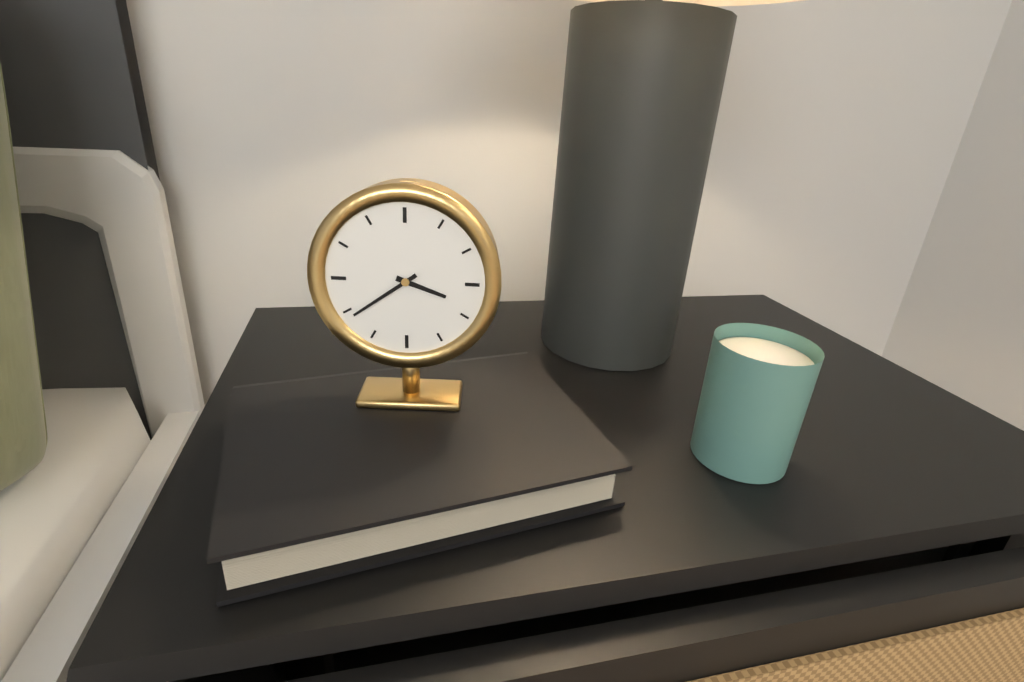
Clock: 3 h 39 min
